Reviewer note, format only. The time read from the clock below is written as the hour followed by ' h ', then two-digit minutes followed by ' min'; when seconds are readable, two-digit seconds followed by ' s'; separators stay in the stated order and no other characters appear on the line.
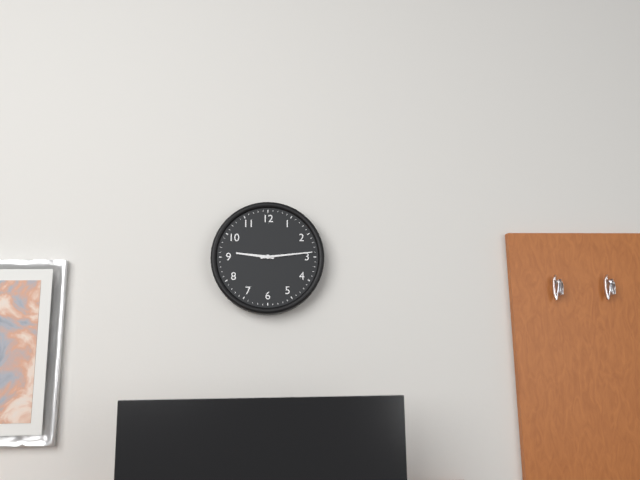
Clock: 9 h 14 min
